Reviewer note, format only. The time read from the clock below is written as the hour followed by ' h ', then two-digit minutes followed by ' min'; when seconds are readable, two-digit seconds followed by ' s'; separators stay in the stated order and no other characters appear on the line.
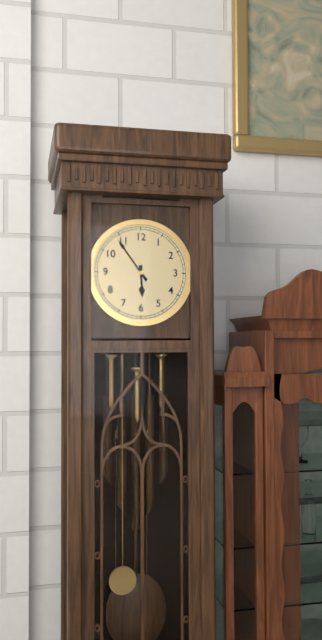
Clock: 5 h 54 min
